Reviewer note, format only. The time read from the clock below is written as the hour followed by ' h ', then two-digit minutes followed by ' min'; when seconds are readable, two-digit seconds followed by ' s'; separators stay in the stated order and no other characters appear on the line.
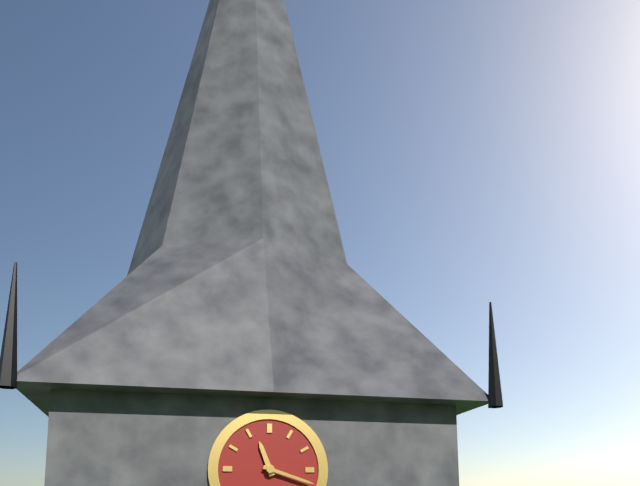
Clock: 11 h 18 min
